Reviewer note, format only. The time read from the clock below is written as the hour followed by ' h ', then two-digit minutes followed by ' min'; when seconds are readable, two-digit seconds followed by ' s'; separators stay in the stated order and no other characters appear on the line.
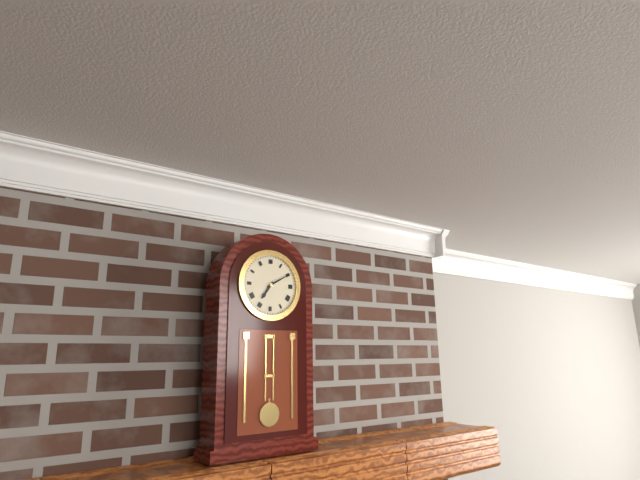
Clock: 7 h 10 min
